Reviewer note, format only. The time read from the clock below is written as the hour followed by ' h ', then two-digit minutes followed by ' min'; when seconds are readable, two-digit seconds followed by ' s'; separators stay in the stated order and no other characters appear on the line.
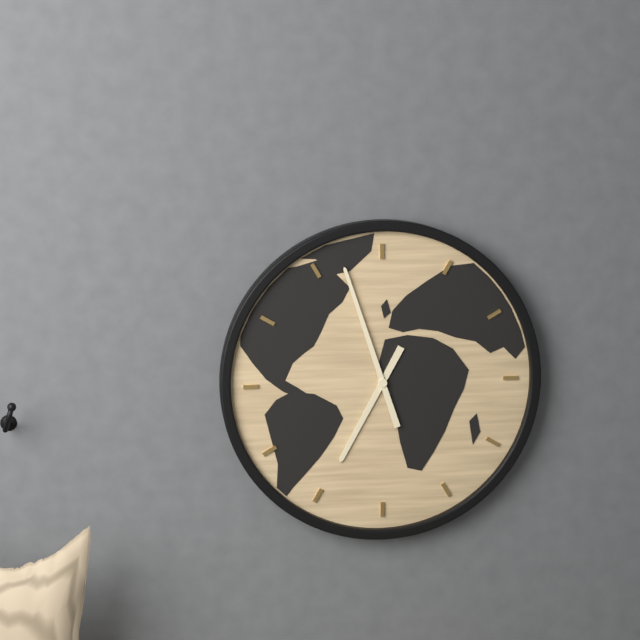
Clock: 6 h 57 min
